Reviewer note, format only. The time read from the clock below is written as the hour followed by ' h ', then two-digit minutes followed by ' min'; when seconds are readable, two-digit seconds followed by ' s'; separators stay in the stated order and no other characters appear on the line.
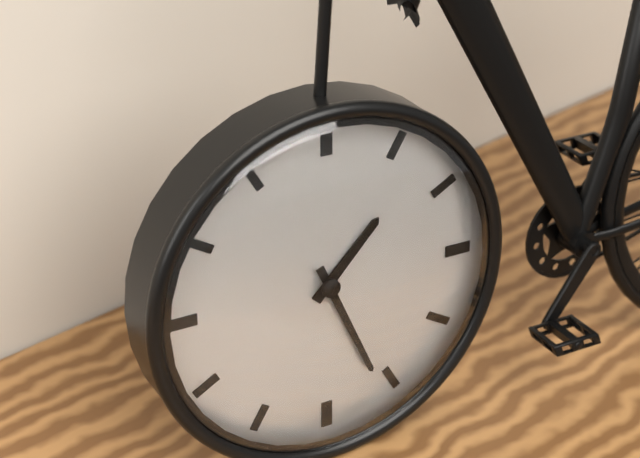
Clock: 1 h 26 min
